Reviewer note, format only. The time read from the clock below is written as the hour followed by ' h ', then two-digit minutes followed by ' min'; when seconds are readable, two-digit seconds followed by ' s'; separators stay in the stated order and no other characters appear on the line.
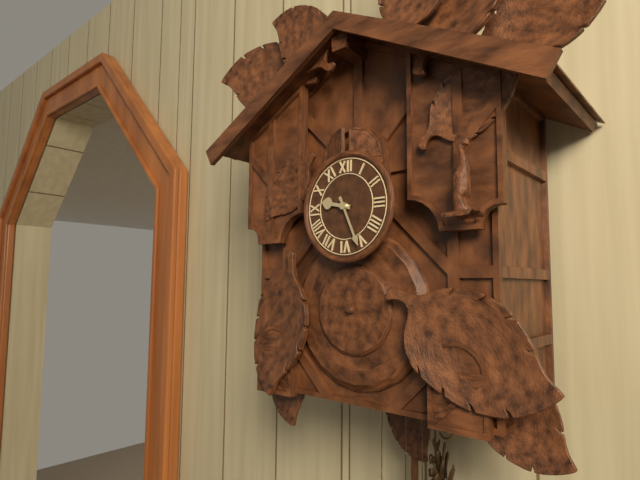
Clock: 9 h 26 min
